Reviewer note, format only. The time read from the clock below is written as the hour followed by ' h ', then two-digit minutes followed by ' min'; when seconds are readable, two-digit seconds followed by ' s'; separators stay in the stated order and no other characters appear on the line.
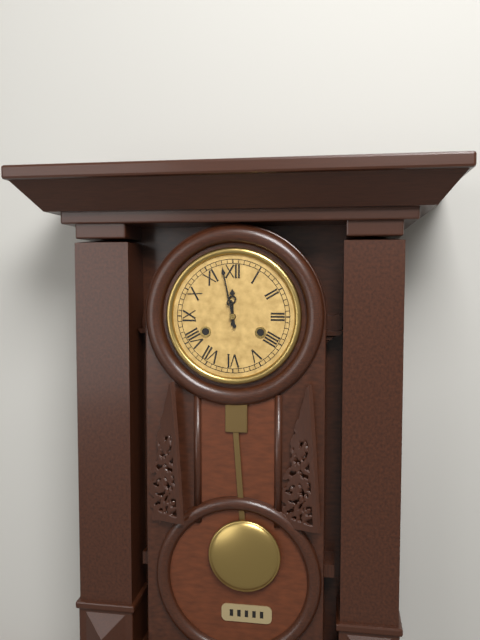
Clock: 11 h 58 min
